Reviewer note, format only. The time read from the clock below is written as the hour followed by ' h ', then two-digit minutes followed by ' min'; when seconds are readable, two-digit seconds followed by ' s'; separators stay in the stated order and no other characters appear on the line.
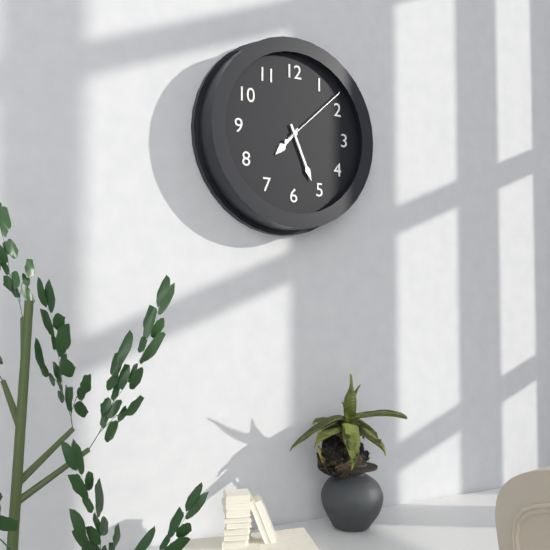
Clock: 7 h 26 min 08 s
